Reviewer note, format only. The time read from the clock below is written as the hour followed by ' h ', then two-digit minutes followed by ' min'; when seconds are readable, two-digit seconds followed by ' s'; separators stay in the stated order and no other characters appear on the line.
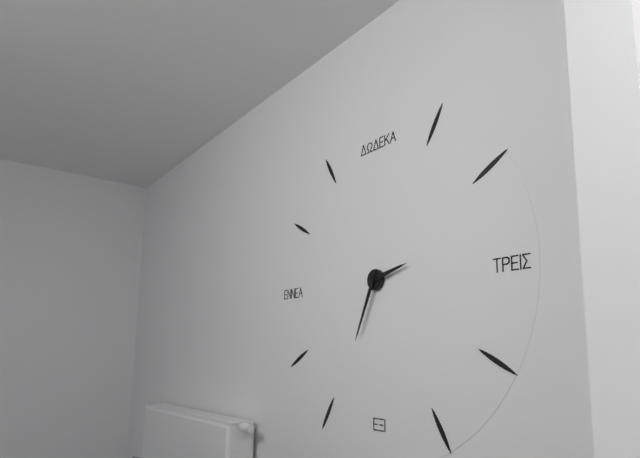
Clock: 2 h 34 min
